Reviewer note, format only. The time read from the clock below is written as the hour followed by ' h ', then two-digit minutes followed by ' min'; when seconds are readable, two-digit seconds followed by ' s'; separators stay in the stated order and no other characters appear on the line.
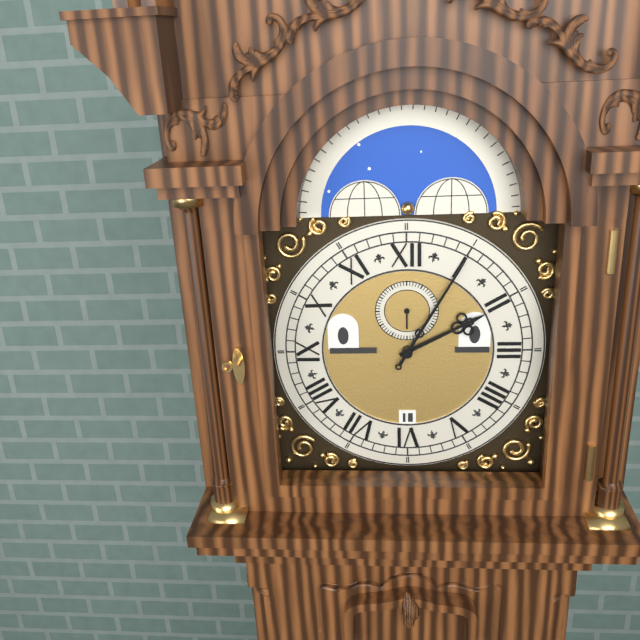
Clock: 2 h 05 min
